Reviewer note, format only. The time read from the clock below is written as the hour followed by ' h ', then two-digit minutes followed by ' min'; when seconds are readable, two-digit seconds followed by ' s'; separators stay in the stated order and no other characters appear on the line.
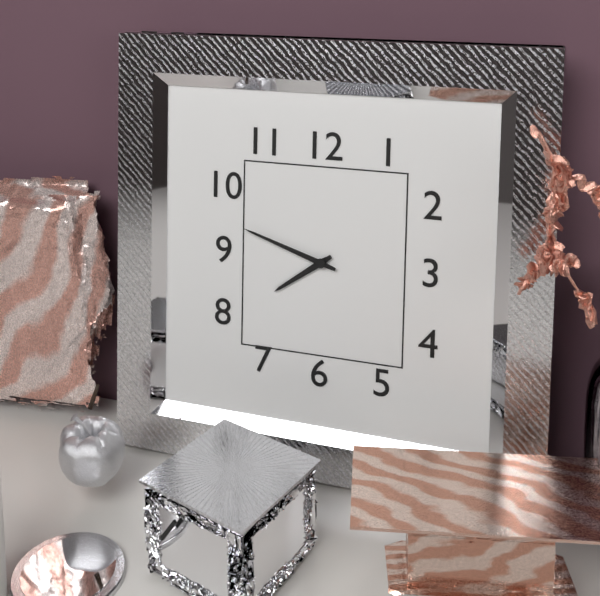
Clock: 7 h 48 min
